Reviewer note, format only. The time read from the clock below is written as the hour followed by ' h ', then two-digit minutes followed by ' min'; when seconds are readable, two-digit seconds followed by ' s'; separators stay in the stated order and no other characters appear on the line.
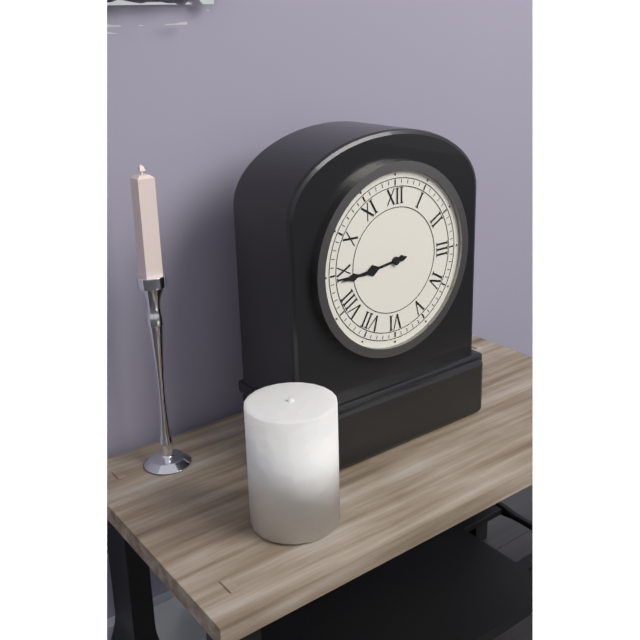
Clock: 8 h 44 min
